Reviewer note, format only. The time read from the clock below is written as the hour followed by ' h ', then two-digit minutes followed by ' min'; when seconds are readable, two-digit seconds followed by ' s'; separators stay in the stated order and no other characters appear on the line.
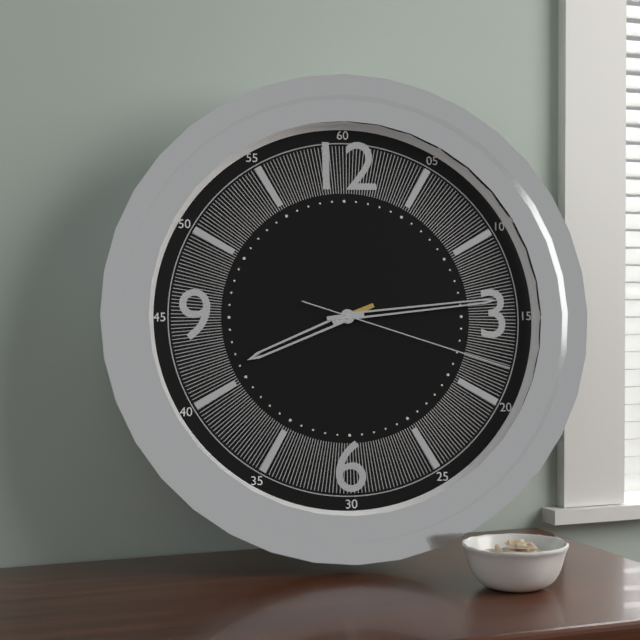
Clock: 8 h 14 min 18 s
